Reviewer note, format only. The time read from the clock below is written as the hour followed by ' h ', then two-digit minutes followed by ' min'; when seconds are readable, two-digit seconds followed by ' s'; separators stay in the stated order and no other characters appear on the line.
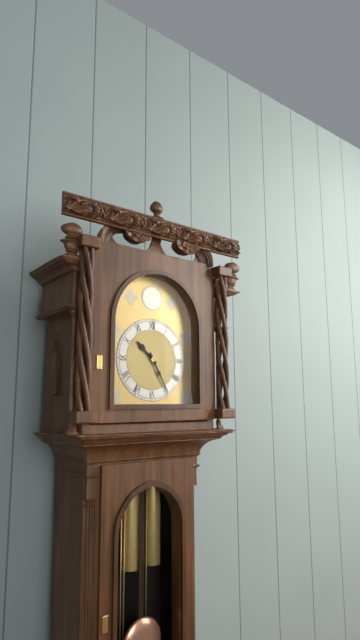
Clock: 10 h 25 min
